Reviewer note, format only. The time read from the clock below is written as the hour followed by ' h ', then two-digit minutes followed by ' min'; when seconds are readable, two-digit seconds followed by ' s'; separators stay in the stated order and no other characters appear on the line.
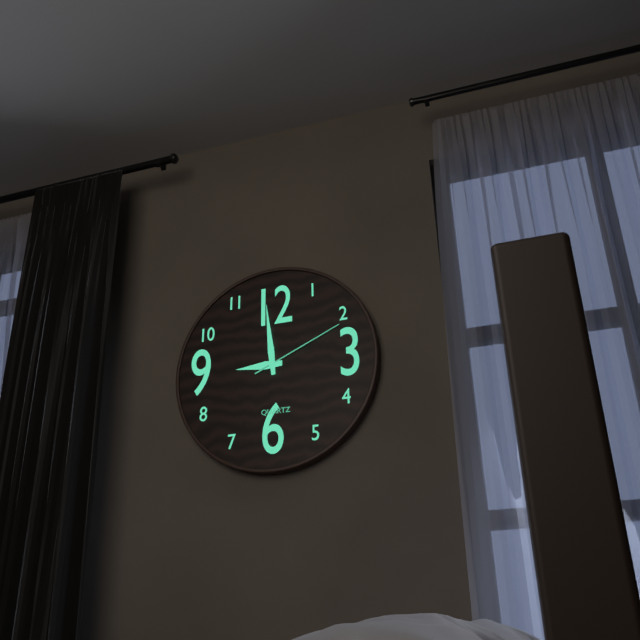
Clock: 8 h 59 min 11 s
